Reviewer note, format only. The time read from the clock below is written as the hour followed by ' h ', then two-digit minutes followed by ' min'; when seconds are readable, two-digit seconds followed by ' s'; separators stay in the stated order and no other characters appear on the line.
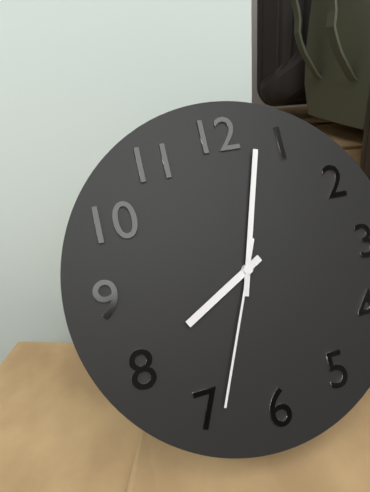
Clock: 8 h 03 min 34 s
